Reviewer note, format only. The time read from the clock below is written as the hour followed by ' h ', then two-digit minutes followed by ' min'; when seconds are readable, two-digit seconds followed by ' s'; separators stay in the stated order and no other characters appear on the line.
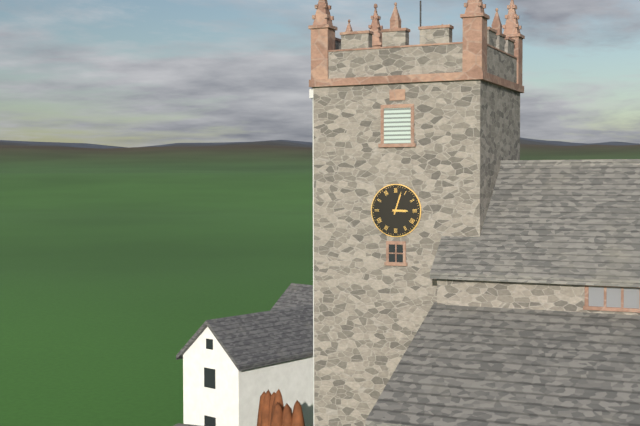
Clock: 3 h 03 min
